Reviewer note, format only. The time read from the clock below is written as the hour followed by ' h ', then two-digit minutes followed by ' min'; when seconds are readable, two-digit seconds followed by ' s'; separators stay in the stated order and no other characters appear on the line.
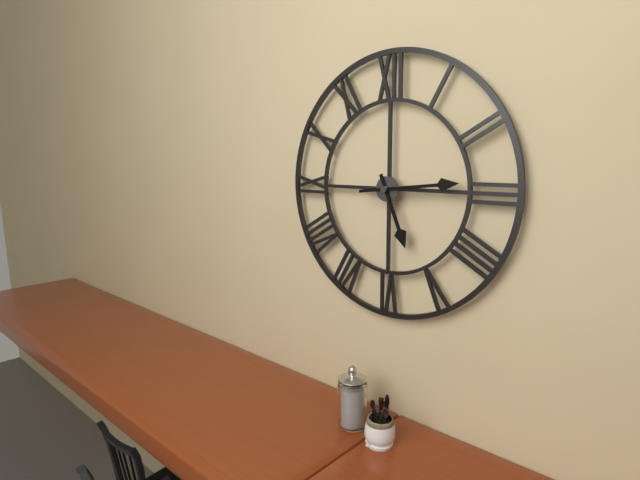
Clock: 5 h 14 min
